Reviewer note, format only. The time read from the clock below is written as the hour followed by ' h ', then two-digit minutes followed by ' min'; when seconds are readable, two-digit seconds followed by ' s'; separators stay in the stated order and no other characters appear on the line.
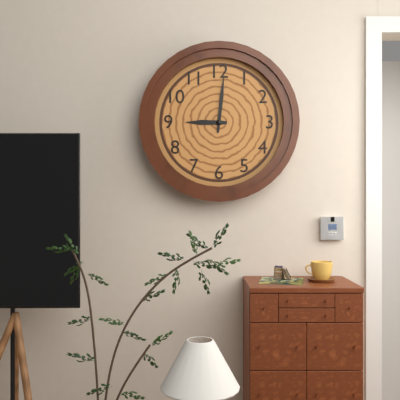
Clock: 9 h 01 min
